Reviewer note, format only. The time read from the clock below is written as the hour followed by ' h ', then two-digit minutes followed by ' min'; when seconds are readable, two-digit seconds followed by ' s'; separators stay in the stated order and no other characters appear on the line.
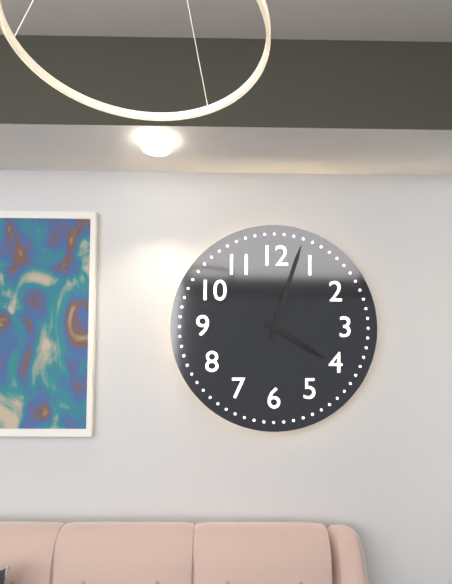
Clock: 4 h 03 min
